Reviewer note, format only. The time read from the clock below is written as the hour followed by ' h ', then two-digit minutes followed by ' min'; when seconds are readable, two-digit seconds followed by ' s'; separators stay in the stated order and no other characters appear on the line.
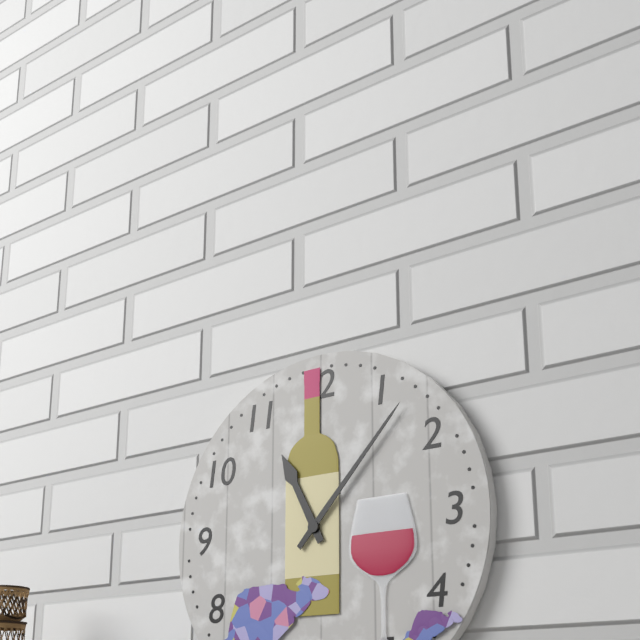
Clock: 11 h 07 min
